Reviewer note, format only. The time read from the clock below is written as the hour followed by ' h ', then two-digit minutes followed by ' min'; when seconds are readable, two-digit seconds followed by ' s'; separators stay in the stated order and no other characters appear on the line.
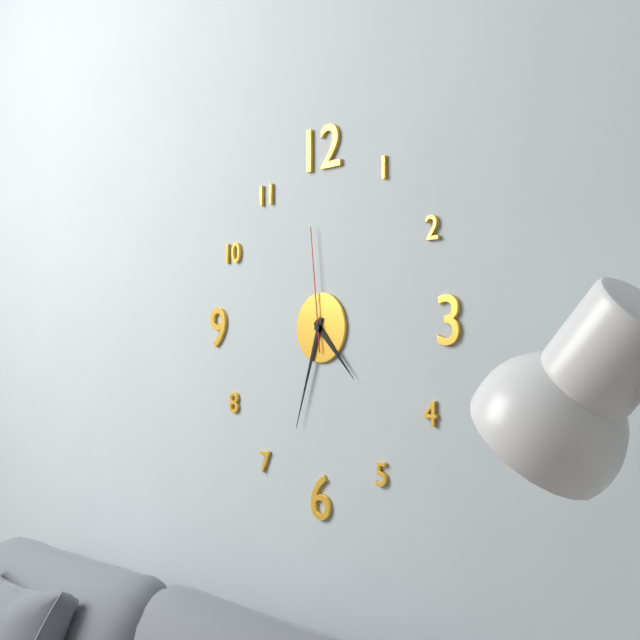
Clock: 4 h 33 min 59 s
